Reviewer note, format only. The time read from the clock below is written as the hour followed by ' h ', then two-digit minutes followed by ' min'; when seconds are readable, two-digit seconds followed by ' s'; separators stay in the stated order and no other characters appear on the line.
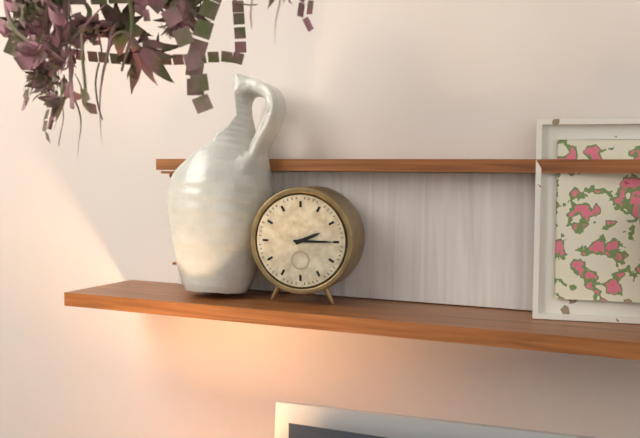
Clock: 2 h 15 min
